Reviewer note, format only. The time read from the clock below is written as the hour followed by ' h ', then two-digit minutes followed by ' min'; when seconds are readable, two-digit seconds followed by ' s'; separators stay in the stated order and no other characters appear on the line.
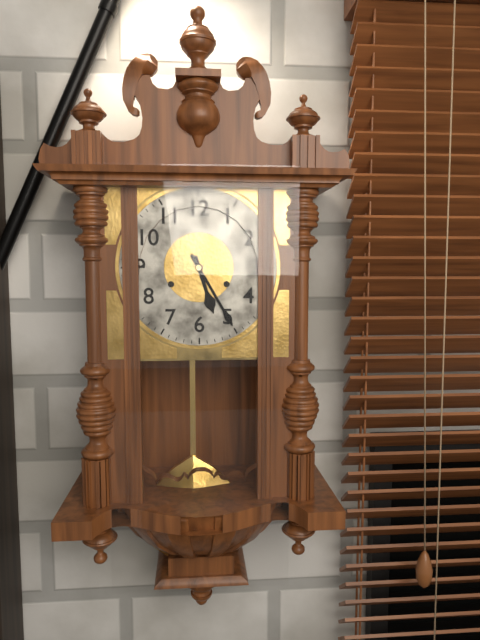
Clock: 5 h 25 min
